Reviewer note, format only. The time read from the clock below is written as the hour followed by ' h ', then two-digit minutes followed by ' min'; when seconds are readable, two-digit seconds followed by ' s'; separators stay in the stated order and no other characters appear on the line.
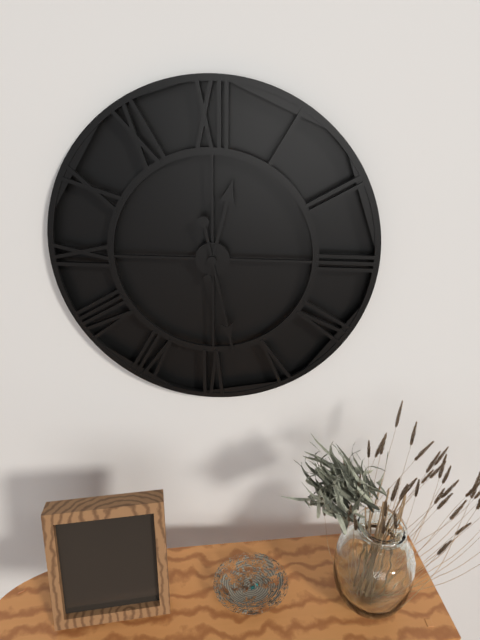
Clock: 12 h 28 min
